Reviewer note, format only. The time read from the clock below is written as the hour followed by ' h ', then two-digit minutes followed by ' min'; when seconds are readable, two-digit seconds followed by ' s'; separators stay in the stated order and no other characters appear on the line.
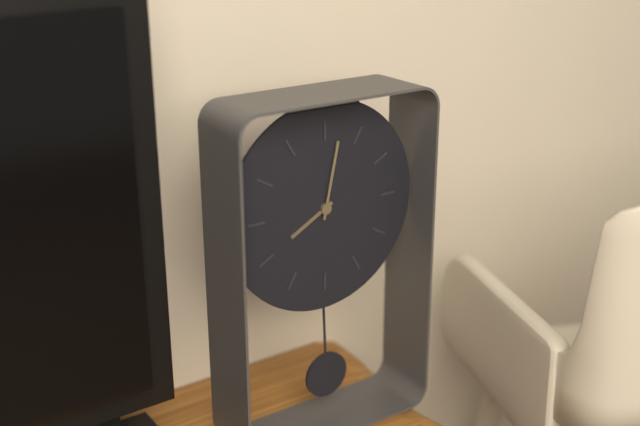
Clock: 8 h 02 min
